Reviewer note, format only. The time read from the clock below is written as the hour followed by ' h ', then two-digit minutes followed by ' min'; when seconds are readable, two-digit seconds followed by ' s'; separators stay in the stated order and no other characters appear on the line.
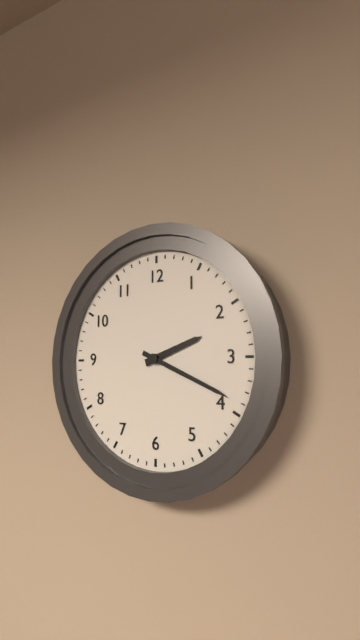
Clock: 2 h 19 min
